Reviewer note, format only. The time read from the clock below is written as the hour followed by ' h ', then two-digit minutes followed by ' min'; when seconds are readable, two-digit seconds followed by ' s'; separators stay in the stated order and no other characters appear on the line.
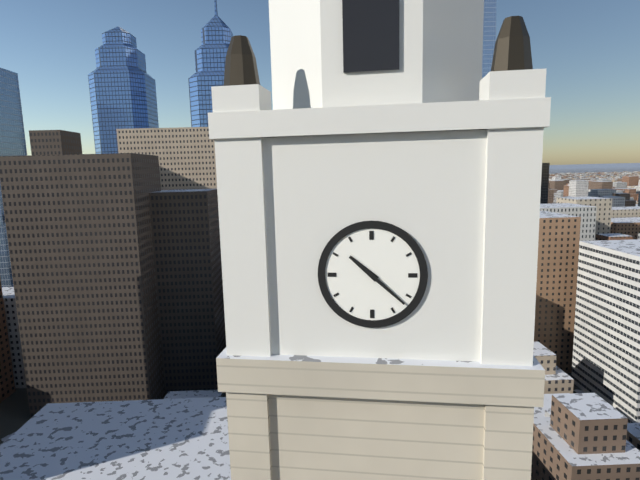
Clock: 10 h 22 min
